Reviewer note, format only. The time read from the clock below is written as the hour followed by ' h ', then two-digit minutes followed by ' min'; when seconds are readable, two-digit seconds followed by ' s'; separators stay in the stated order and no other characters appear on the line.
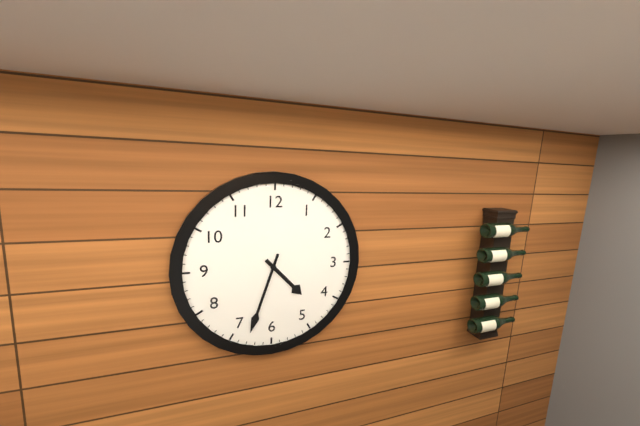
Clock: 4 h 33 min
